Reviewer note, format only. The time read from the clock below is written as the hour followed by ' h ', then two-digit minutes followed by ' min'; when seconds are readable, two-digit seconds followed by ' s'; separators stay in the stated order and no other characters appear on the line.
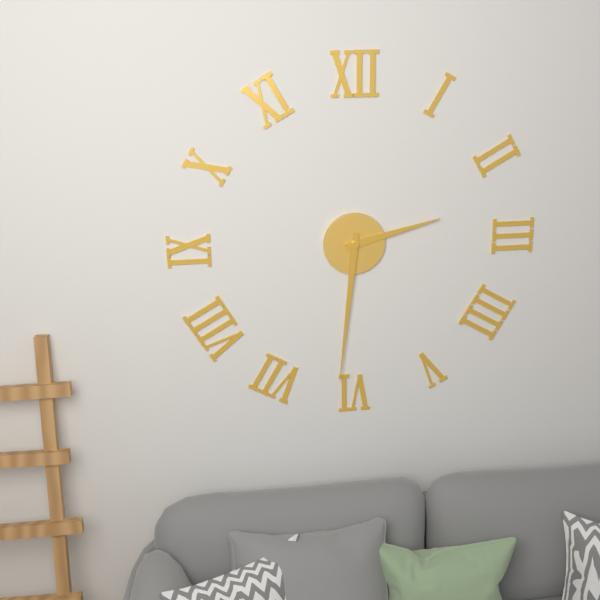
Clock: 2 h 31 min
